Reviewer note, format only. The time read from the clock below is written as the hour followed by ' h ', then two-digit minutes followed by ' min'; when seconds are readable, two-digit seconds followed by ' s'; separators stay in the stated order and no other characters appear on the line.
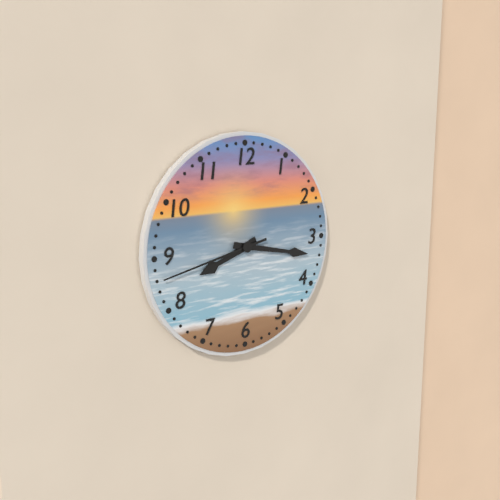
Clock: 8 h 17 min 43 s
